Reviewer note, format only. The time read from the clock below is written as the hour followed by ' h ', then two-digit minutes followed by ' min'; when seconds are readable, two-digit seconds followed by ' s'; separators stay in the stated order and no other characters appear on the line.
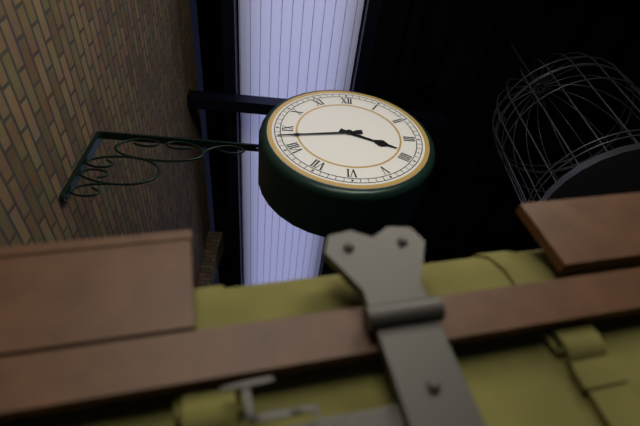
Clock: 3 h 43 min
